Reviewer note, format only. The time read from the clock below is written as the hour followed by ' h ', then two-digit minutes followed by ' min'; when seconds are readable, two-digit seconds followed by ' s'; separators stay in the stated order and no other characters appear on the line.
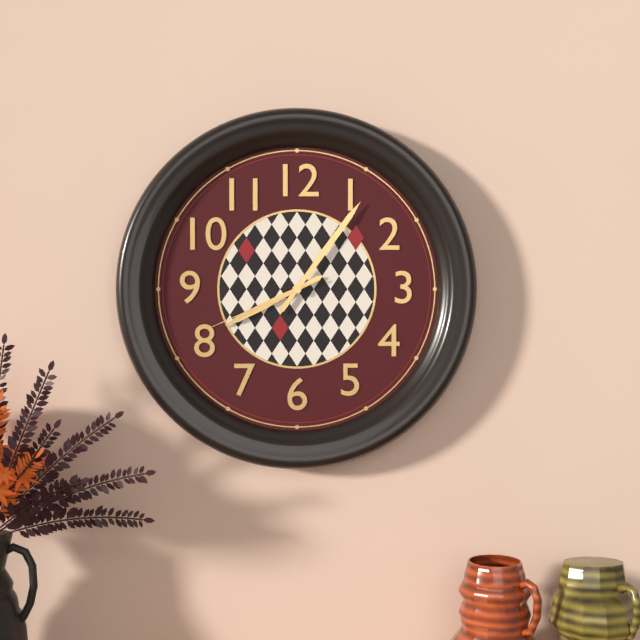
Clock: 8 h 06 min 41 s
